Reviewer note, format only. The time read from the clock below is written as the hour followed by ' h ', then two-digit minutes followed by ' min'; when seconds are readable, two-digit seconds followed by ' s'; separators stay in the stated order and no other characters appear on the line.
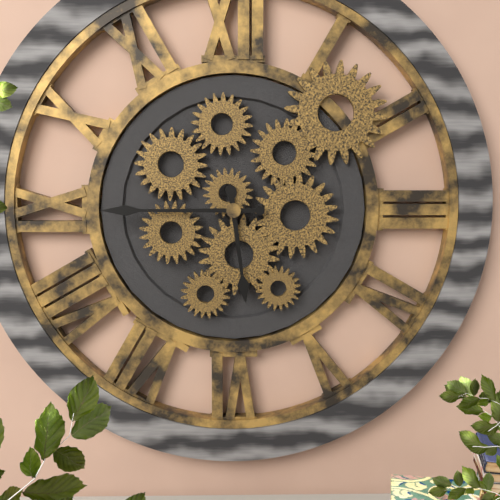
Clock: 5 h 45 min
